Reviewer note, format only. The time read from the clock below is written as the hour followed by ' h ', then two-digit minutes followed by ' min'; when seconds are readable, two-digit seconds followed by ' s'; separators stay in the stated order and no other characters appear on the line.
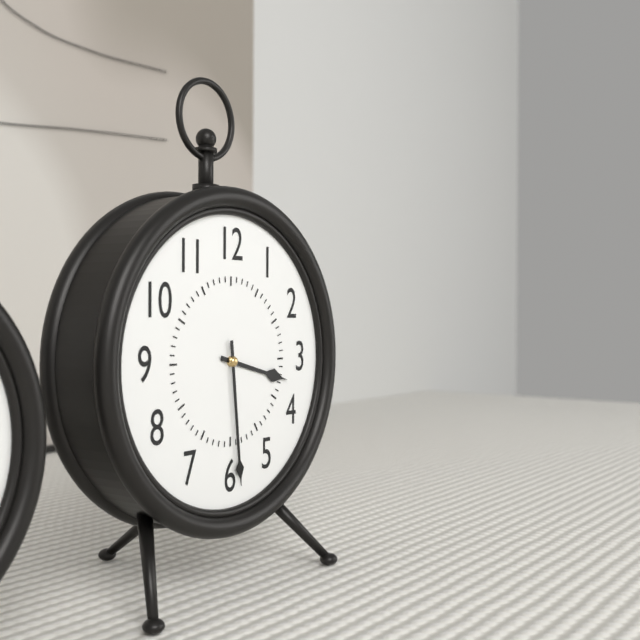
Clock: 3 h 29 min
